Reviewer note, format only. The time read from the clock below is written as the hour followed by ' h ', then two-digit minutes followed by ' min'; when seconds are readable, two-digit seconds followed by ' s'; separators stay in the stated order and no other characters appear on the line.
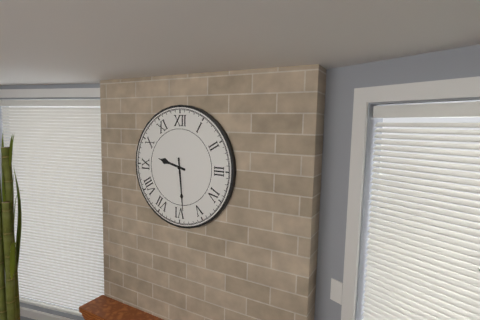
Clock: 9 h 29 min
